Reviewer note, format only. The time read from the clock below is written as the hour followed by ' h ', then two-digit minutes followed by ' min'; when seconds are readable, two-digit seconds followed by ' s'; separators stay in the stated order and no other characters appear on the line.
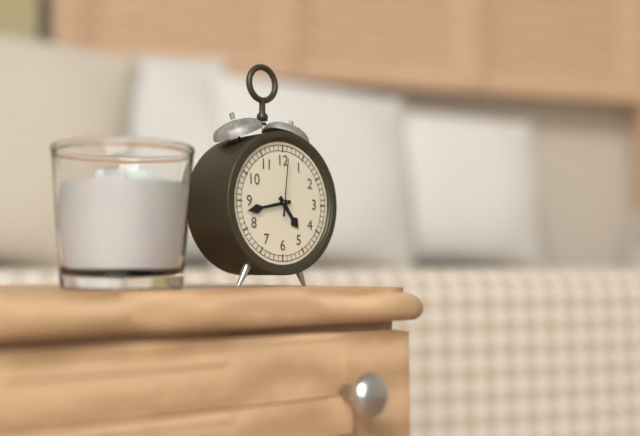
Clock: 4 h 43 min 01 s
